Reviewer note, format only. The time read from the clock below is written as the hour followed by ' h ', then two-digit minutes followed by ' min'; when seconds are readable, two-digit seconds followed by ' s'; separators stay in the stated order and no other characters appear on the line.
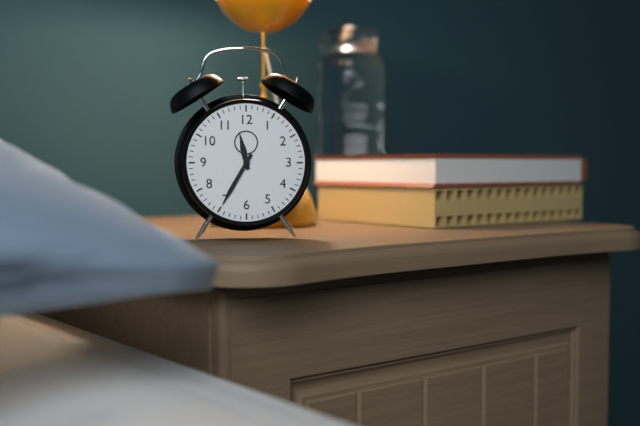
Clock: 11 h 35 min
